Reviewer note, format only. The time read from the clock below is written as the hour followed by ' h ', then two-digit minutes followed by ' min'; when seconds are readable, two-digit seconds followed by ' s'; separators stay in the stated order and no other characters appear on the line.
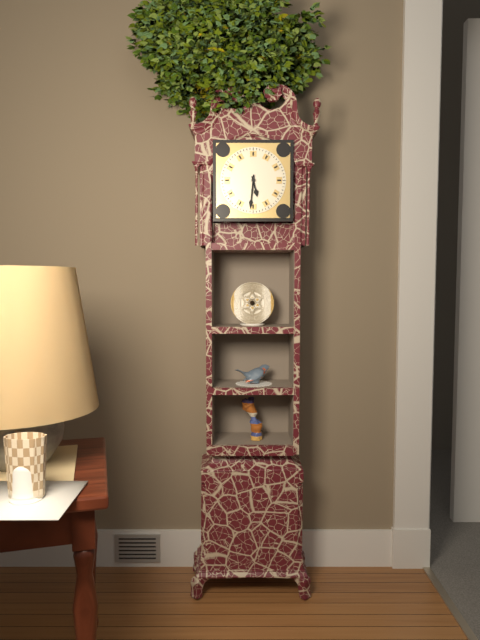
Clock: 5 h 31 min
